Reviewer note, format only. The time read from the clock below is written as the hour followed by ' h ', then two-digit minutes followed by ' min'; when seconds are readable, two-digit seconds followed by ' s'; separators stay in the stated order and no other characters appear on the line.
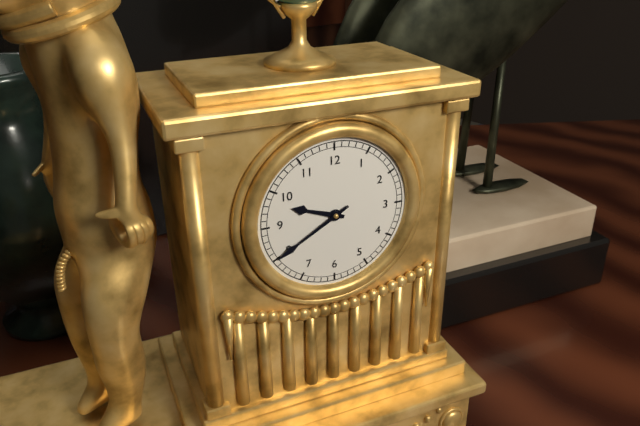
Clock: 9 h 40 min
